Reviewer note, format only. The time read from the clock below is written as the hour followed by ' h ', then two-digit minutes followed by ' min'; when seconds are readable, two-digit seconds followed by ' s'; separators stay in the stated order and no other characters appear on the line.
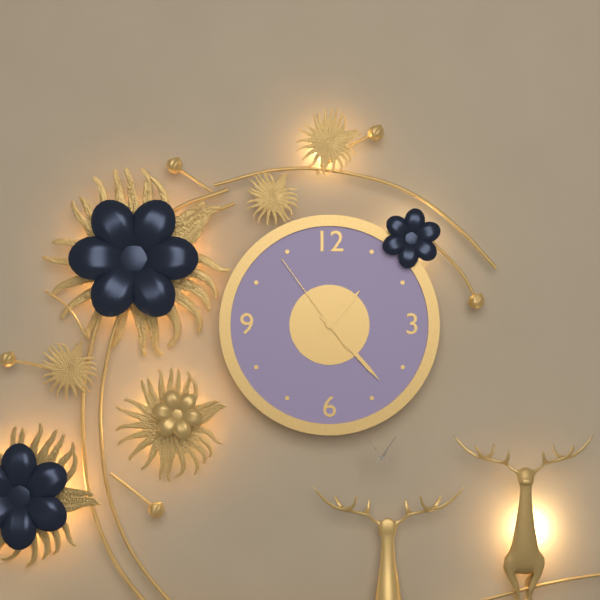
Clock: 1 h 23 min 54 s
